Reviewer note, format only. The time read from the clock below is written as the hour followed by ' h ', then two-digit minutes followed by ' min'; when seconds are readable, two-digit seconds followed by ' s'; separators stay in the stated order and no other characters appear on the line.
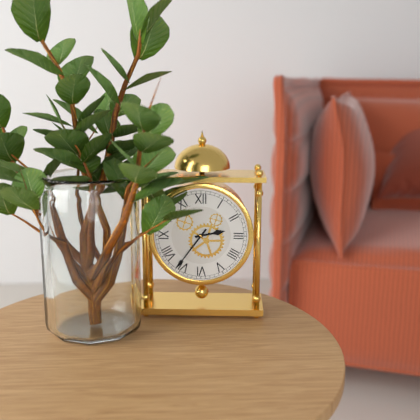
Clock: 2 h 36 min
